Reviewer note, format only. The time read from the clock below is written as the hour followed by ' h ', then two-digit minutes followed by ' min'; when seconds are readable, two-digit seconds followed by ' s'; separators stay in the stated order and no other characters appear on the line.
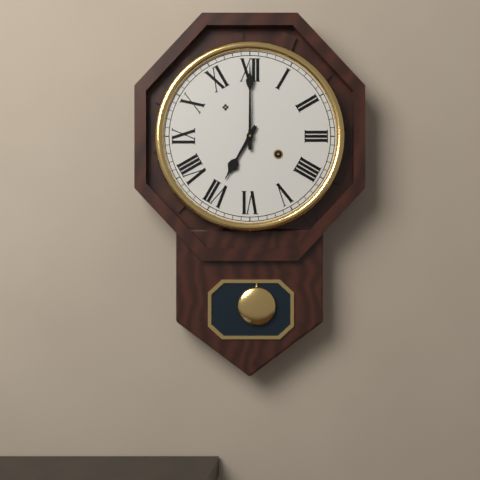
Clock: 7 h 00 min
